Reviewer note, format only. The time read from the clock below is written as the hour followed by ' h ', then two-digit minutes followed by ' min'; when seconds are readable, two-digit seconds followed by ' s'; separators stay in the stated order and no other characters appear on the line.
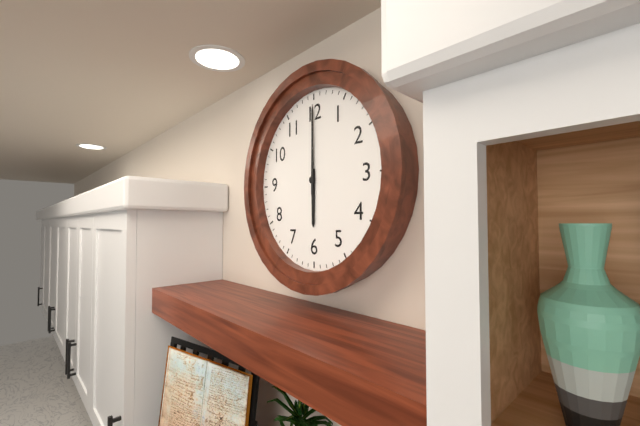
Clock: 6 h 00 min
